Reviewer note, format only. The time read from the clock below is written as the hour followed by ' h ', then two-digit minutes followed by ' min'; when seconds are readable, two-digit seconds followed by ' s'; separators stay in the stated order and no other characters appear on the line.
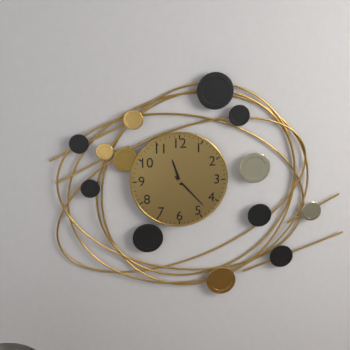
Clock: 11 h 23 min
